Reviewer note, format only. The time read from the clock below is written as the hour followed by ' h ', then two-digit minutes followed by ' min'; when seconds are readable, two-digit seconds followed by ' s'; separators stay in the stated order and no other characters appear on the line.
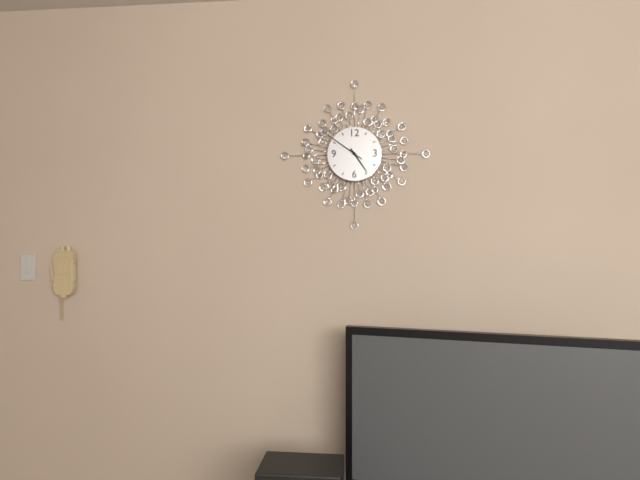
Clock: 4 h 51 min
